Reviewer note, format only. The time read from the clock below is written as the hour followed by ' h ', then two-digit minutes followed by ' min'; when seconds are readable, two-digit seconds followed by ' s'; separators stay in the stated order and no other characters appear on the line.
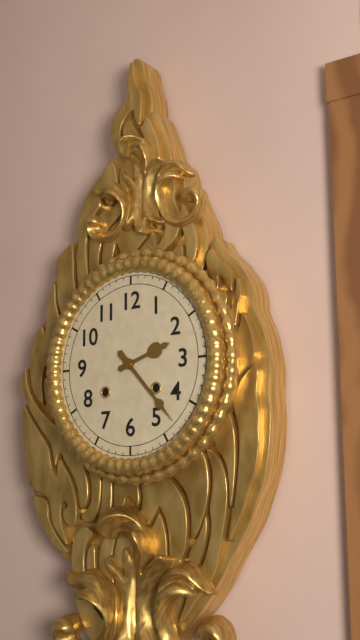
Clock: 2 h 23 min
